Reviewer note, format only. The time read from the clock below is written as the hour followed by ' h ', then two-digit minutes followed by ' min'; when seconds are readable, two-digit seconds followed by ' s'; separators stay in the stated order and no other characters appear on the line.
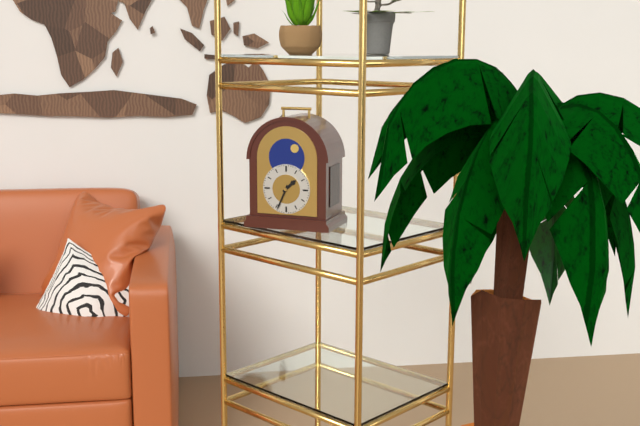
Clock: 1 h 34 min
